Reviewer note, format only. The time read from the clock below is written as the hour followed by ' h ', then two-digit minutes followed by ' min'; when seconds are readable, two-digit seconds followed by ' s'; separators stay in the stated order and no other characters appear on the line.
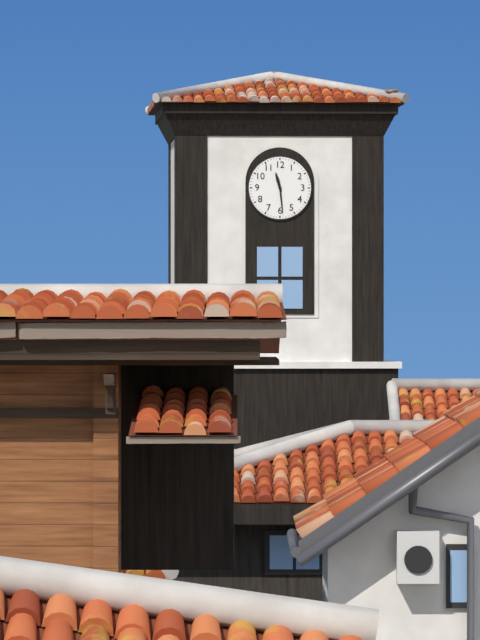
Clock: 11 h 29 min
